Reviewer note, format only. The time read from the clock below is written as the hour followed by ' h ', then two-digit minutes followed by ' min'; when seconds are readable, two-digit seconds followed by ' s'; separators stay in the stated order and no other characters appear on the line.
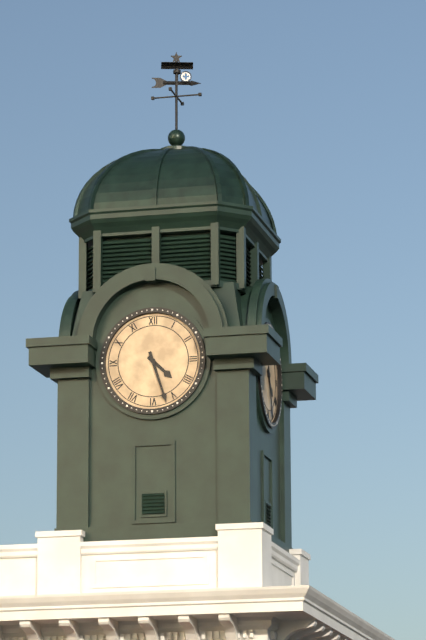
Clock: 4 h 27 min
